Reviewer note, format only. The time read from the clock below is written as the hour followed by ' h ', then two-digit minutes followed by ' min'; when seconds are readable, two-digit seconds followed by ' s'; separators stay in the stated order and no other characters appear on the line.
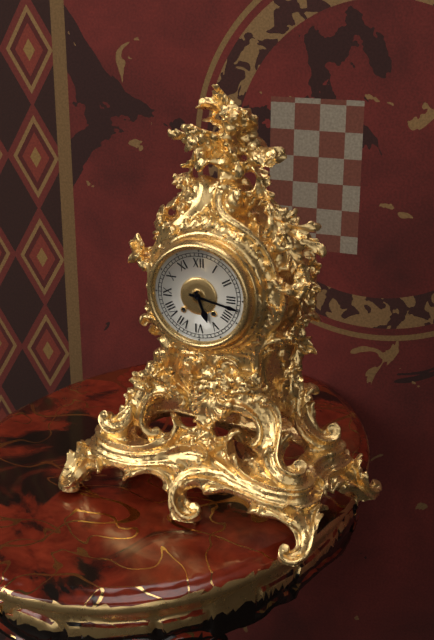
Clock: 5 h 17 min
